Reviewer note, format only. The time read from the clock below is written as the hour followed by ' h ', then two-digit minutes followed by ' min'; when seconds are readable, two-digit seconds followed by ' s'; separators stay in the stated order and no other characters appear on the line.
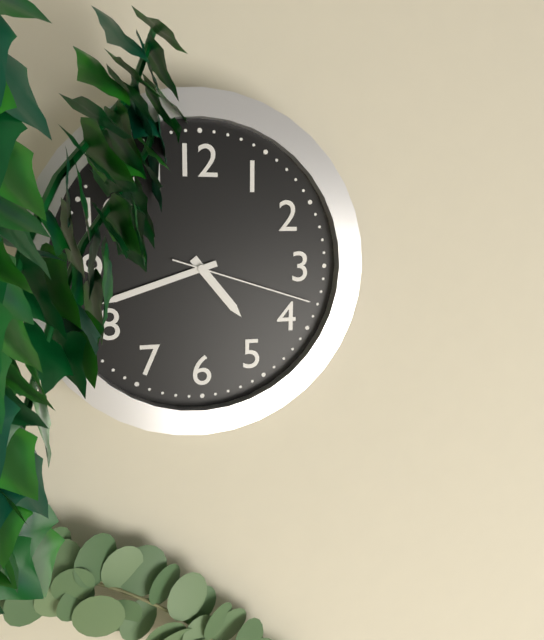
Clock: 4 h 42 min 18 s
